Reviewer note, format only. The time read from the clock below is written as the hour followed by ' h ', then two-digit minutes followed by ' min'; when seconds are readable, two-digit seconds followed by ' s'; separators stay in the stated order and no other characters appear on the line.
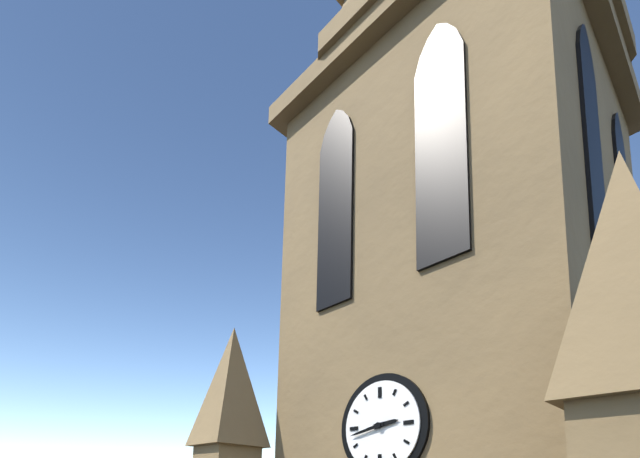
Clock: 2 h 43 min
